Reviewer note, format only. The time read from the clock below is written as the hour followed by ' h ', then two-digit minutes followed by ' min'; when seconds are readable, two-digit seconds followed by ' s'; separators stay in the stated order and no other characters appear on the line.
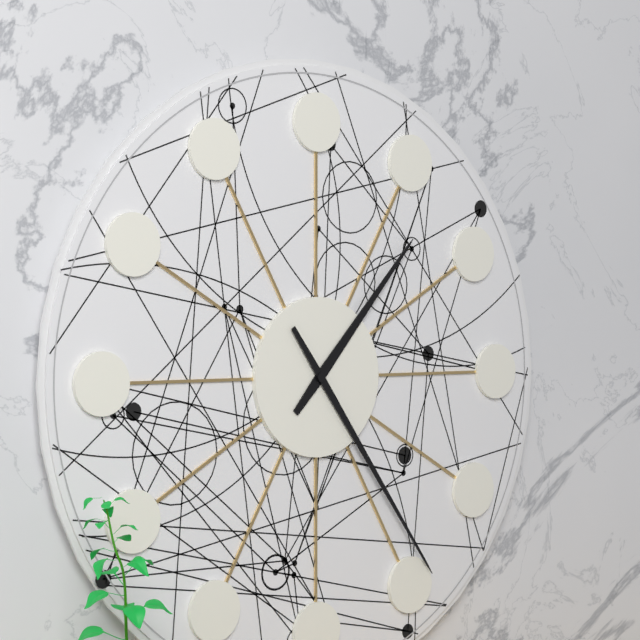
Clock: 1 h 24 min
